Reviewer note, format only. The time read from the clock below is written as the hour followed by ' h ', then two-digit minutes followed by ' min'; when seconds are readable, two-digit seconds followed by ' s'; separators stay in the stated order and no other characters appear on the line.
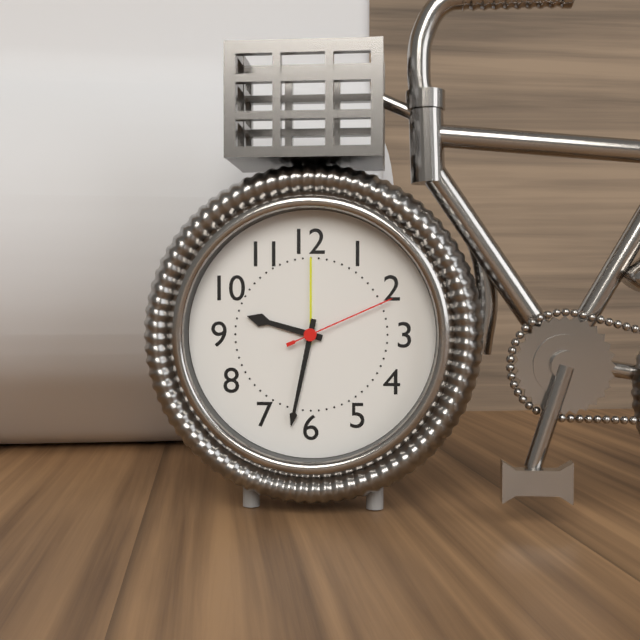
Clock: 9 h 32 min 11 s
